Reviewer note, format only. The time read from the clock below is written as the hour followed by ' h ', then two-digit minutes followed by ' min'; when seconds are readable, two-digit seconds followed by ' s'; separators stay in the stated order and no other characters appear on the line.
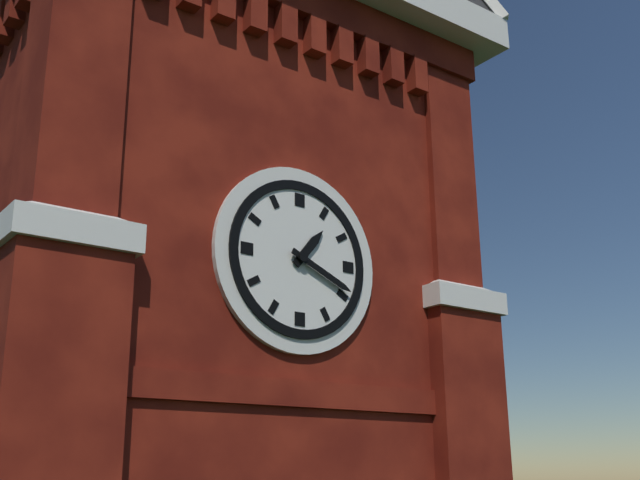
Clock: 1 h 19 min
